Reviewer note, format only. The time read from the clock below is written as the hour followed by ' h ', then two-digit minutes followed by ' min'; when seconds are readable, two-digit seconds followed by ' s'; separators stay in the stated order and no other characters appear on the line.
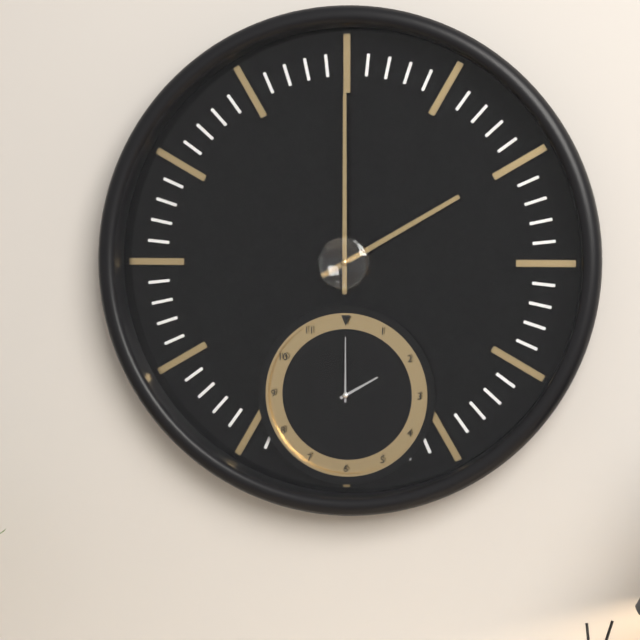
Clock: 2 h 00 min
